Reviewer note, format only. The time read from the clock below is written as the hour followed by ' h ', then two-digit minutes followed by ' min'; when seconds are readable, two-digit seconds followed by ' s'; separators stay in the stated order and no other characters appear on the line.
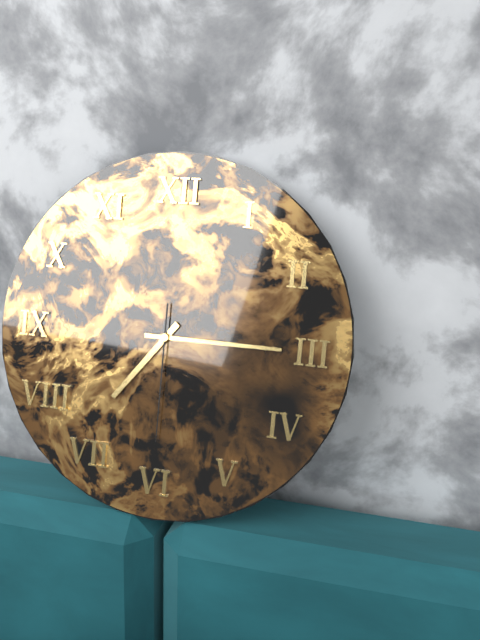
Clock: 7 h 15 min 30 s
